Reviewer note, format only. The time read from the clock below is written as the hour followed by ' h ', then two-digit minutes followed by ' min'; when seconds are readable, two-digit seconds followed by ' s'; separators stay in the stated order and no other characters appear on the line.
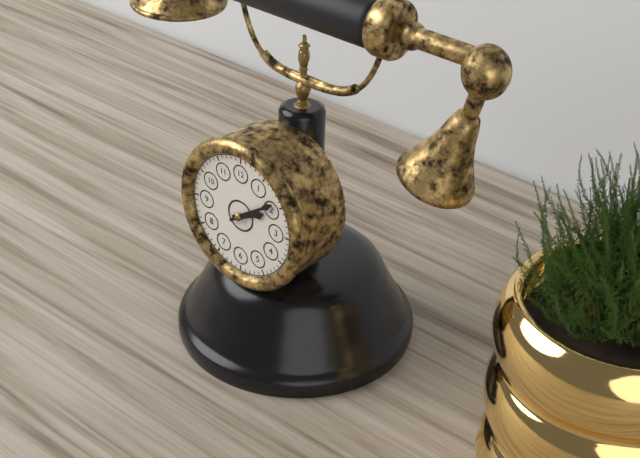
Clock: 2 h 09 min
